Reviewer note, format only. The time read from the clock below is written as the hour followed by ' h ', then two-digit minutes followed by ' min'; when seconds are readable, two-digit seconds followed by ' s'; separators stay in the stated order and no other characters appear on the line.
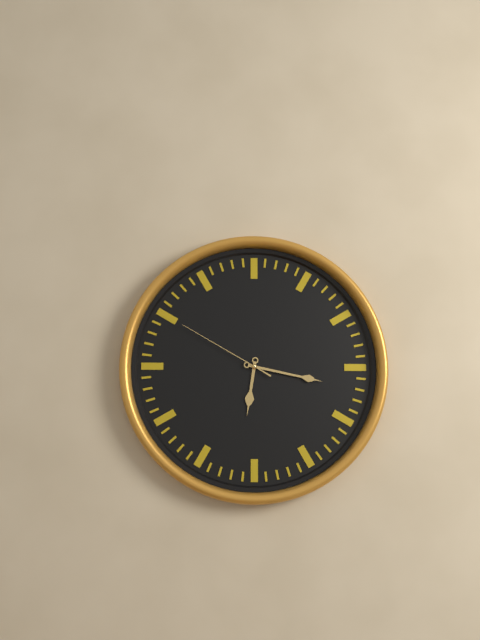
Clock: 6 h 17 min 50 s
